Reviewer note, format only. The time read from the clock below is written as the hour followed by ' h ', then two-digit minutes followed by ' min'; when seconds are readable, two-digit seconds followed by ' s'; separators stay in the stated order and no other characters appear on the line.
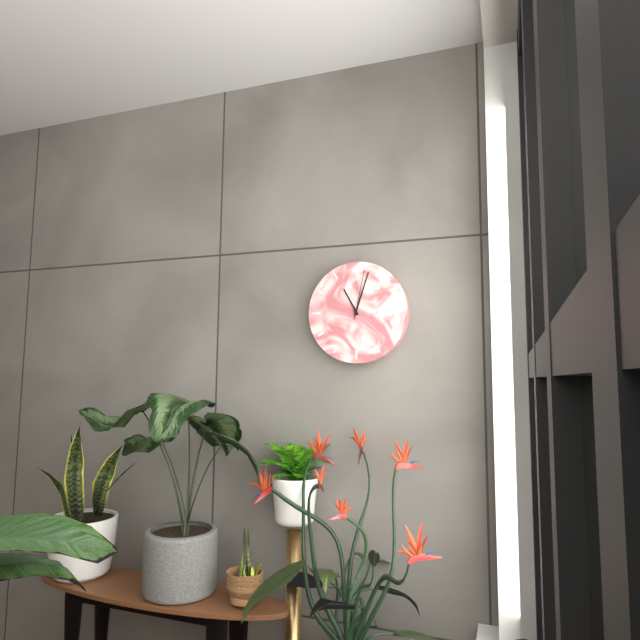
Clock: 11 h 03 min 02 s
